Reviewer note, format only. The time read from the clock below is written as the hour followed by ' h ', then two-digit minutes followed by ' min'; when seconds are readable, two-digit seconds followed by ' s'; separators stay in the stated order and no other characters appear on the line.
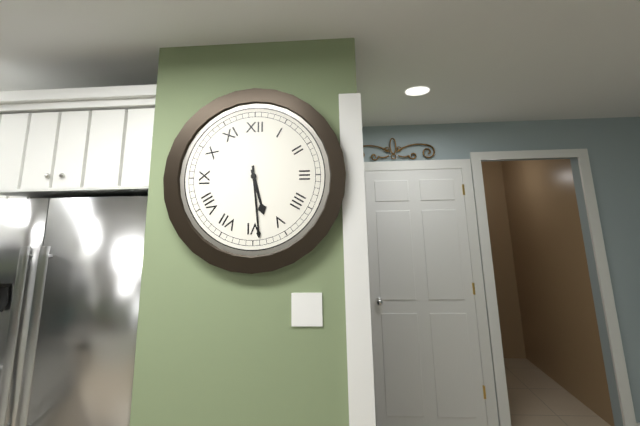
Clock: 5 h 29 min
